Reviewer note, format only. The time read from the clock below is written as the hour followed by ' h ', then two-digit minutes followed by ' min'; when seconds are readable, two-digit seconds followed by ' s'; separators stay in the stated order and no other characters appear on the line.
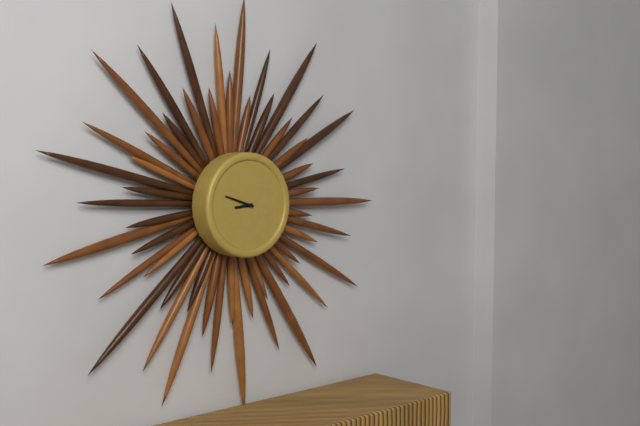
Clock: 8 h 48 min
